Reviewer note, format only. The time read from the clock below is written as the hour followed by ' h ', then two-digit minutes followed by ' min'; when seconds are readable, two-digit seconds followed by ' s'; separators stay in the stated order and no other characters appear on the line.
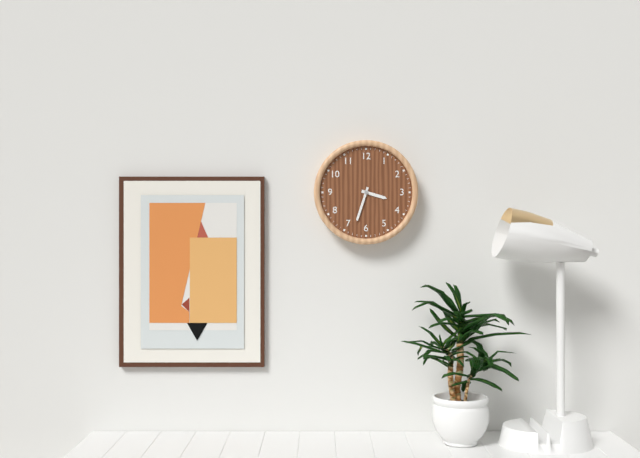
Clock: 3 h 33 min
